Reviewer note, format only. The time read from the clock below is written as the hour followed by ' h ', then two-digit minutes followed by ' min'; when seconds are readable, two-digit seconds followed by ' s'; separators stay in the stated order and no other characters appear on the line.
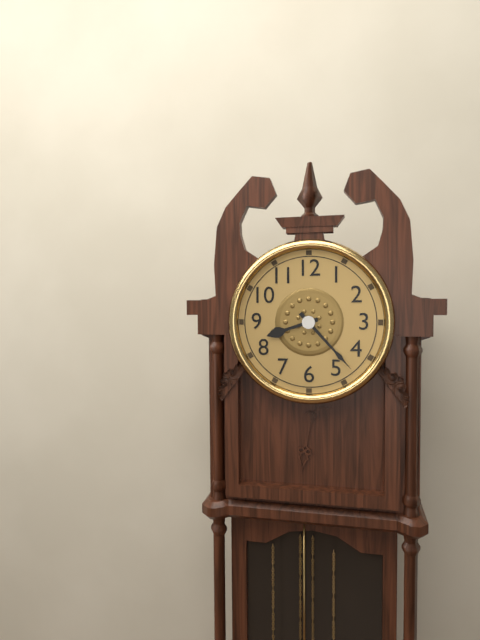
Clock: 8 h 23 min
